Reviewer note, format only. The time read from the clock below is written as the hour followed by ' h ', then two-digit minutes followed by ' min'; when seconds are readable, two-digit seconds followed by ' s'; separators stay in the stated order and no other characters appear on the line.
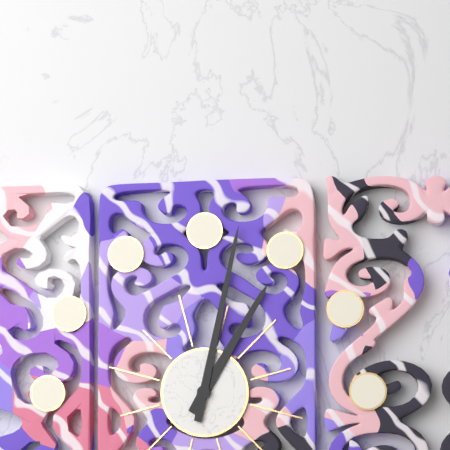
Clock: 1 h 02 min
